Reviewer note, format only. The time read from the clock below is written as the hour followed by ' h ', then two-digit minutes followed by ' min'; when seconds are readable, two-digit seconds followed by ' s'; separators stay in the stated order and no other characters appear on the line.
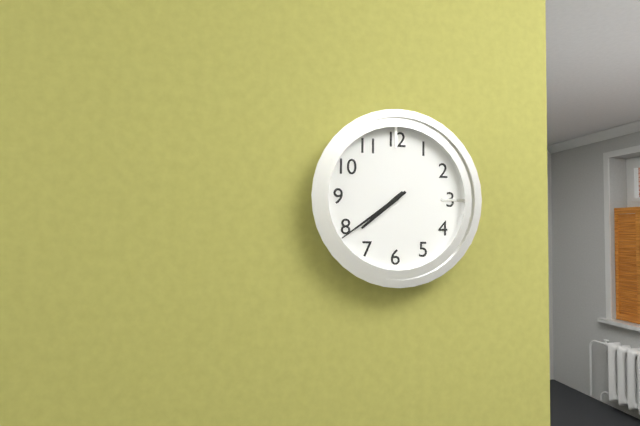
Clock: 7 h 39 min
